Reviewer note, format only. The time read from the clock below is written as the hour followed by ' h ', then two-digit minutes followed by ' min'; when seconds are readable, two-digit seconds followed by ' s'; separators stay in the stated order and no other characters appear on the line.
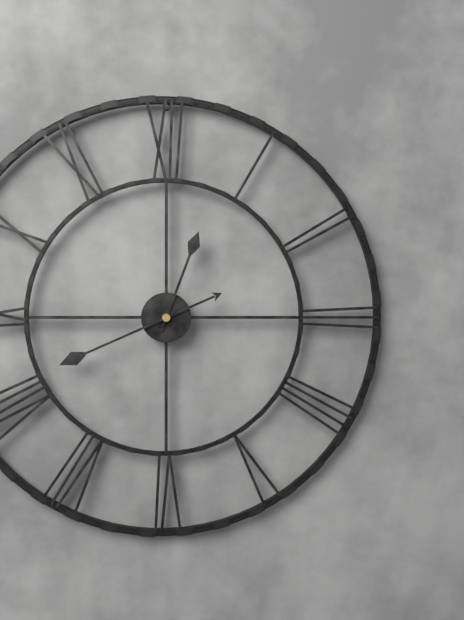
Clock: 12 h 41 min
